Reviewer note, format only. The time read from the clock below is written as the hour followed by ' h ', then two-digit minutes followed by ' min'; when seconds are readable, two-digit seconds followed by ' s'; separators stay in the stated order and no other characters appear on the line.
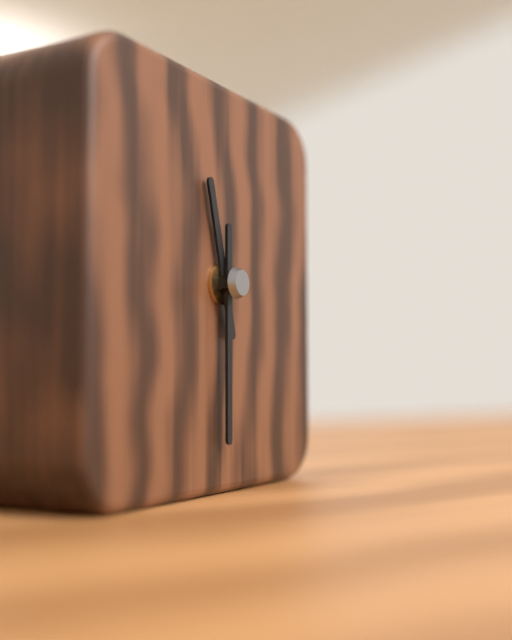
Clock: 11 h 30 min
